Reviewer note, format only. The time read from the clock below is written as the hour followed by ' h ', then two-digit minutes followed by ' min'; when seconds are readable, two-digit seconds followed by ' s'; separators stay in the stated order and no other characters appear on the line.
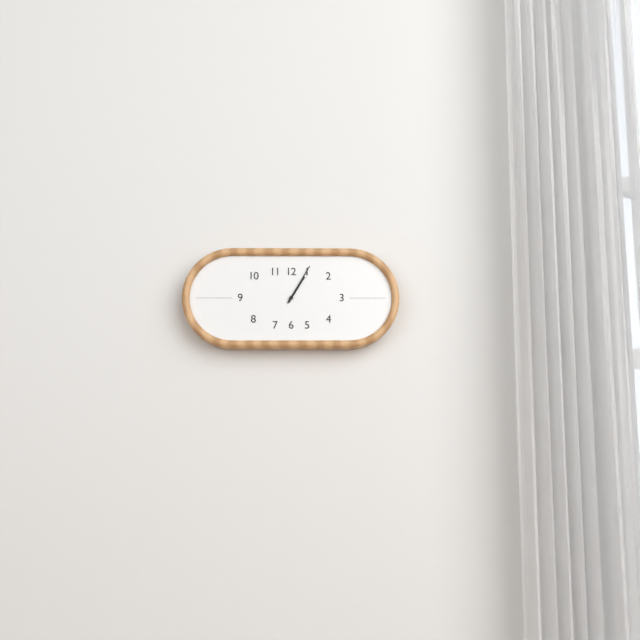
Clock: 1 h 05 min
